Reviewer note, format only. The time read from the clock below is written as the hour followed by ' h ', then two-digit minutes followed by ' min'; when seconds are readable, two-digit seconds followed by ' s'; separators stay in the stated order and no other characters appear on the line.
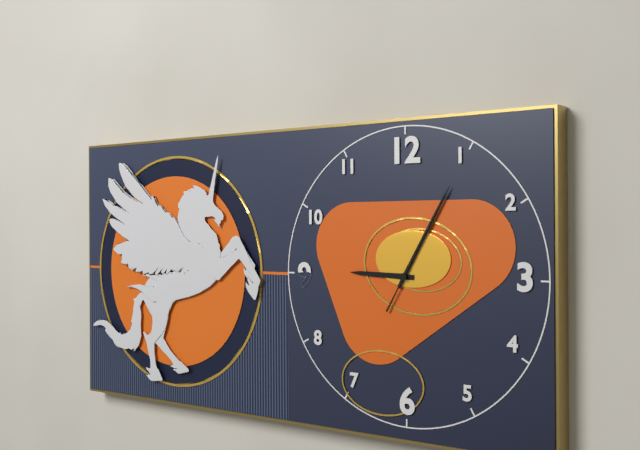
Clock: 9 h 05 min 05 s
